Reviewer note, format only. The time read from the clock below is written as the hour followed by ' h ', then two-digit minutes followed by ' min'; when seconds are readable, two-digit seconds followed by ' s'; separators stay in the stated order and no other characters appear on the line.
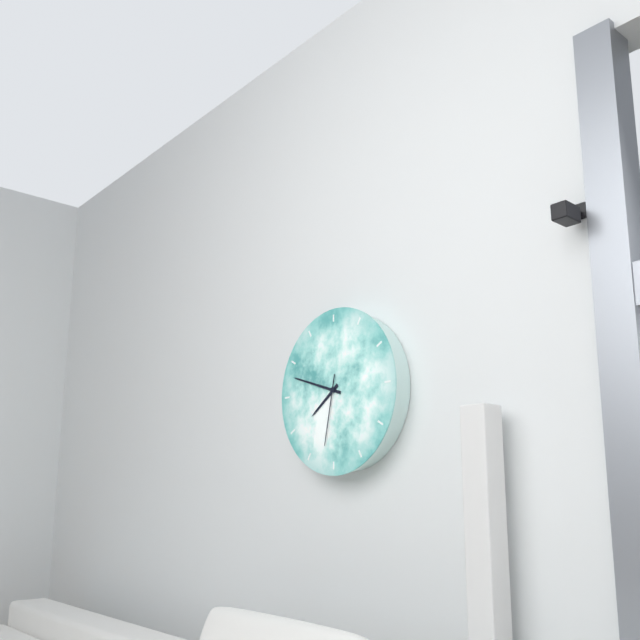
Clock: 7 h 48 min 32 s
